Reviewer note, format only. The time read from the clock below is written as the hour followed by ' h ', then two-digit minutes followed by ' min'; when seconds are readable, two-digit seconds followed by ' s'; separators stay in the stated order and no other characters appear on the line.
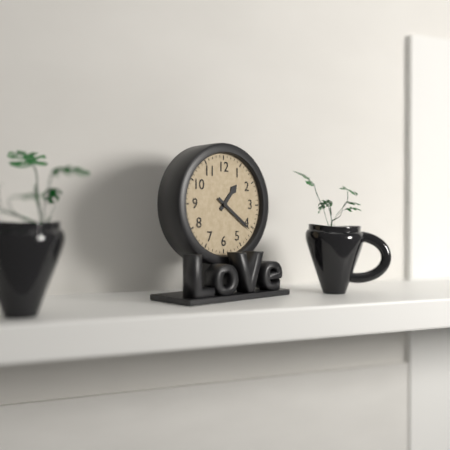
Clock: 1 h 21 min
